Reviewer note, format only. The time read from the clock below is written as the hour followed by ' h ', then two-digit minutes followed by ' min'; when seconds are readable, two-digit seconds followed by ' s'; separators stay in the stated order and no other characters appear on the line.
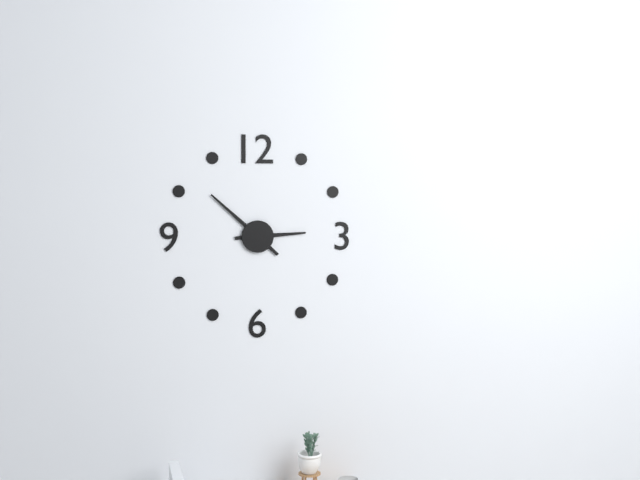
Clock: 2 h 52 min
